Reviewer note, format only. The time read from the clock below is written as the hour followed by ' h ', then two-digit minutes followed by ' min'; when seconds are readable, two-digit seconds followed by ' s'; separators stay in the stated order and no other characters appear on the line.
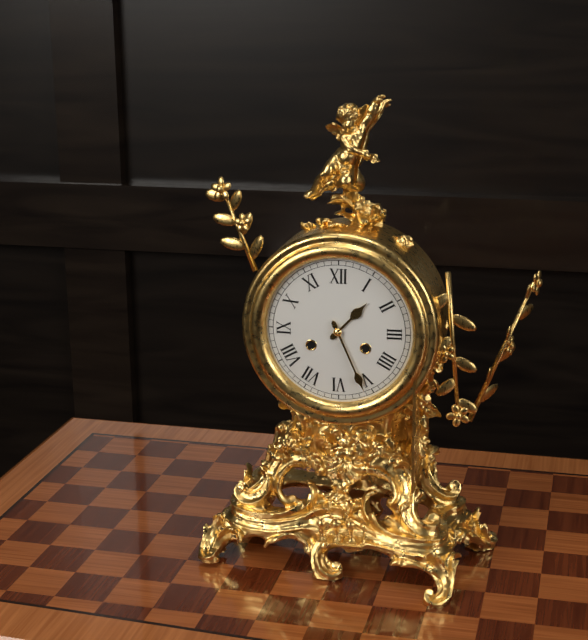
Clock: 1 h 26 min
